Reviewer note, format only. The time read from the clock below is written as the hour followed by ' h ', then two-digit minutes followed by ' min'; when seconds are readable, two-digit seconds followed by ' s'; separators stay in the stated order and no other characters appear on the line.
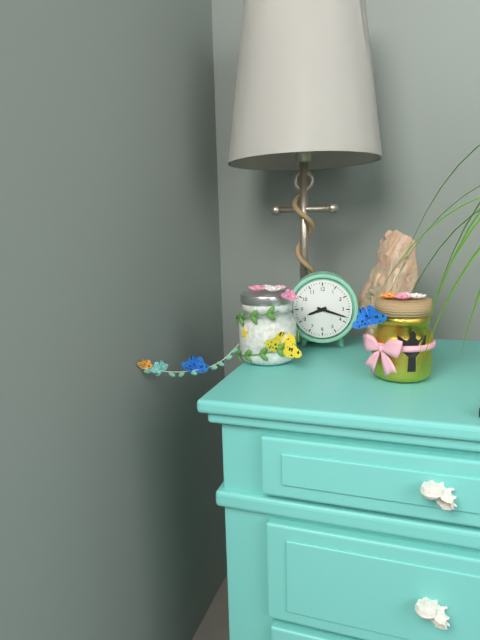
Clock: 8 h 18 min
